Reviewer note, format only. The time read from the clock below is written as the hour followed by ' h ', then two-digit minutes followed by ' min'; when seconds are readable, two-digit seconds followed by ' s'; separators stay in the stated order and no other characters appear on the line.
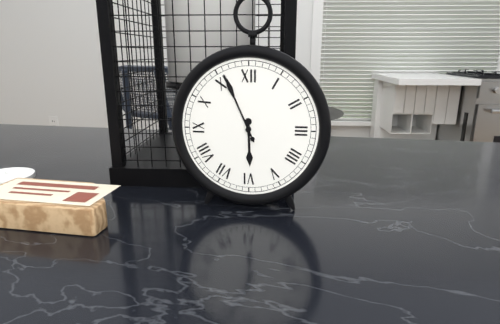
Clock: 5 h 56 min
